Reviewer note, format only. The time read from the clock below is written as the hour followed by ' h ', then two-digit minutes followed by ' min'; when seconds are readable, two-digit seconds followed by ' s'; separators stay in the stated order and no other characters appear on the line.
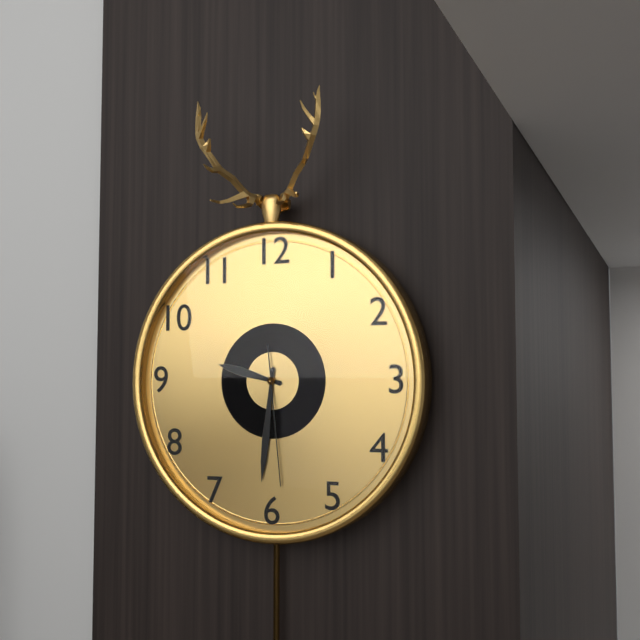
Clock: 9 h 31 min 29 s
